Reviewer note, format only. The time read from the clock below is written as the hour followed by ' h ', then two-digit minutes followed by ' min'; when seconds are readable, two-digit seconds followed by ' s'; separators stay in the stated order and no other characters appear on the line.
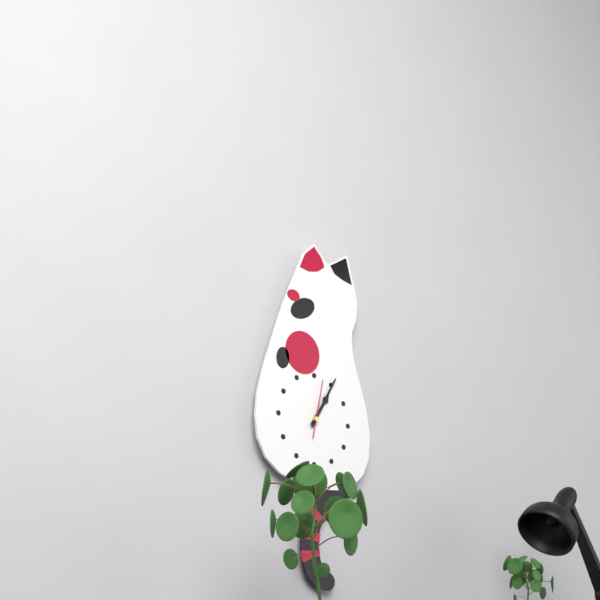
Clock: 1 h 05 min 02 s
